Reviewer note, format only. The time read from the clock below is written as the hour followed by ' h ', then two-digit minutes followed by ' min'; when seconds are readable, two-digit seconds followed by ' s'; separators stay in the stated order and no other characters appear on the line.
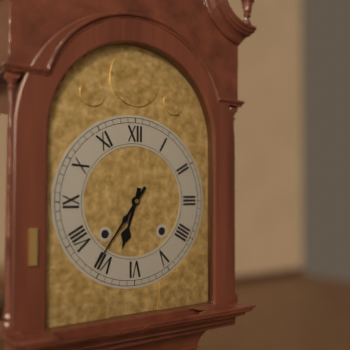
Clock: 6 h 36 min
